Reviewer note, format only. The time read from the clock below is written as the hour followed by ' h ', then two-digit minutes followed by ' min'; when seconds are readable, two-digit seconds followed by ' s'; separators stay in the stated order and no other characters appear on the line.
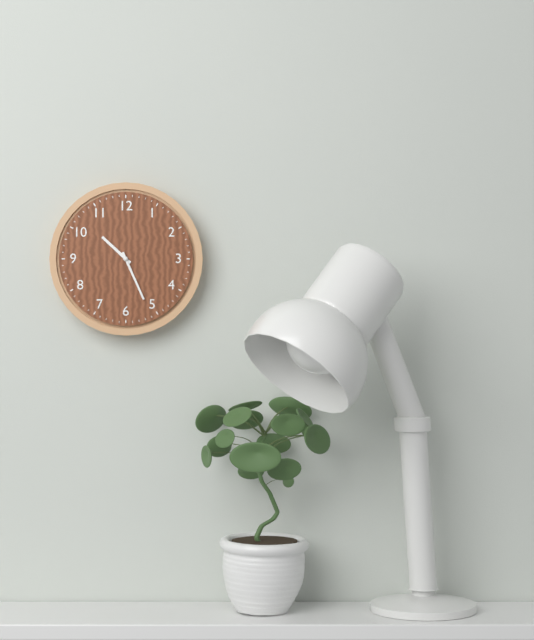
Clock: 10 h 26 min
